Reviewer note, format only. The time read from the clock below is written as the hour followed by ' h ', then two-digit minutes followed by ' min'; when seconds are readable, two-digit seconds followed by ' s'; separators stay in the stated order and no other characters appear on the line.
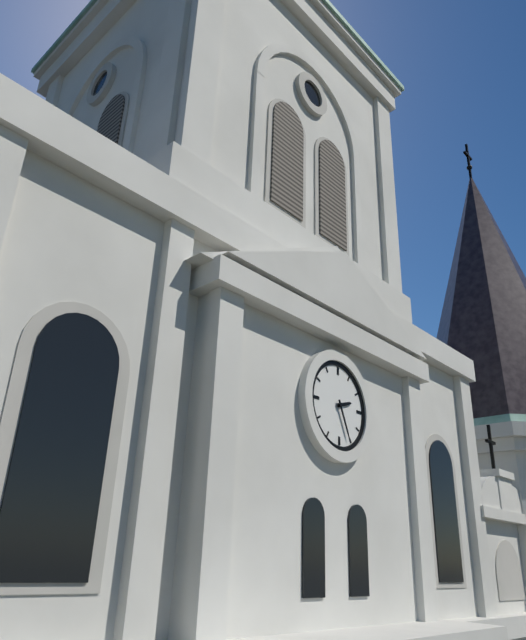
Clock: 2 h 26 min
